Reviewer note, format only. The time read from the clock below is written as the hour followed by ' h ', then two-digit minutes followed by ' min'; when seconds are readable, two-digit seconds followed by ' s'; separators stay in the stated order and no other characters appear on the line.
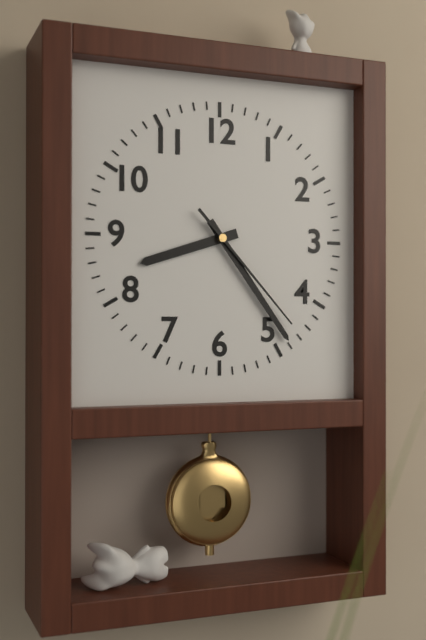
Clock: 8 h 24 min 23 s
